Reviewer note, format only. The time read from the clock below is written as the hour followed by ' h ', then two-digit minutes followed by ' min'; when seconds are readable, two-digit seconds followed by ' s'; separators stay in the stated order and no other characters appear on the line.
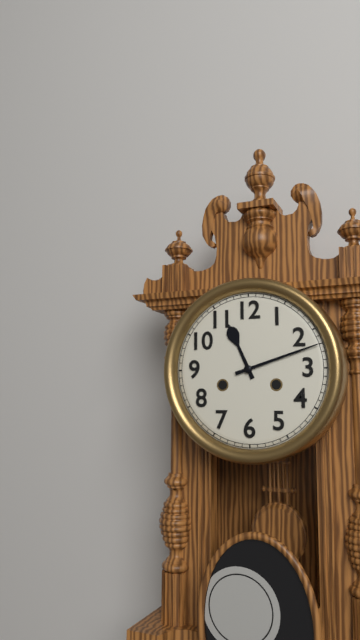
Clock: 11 h 12 min
